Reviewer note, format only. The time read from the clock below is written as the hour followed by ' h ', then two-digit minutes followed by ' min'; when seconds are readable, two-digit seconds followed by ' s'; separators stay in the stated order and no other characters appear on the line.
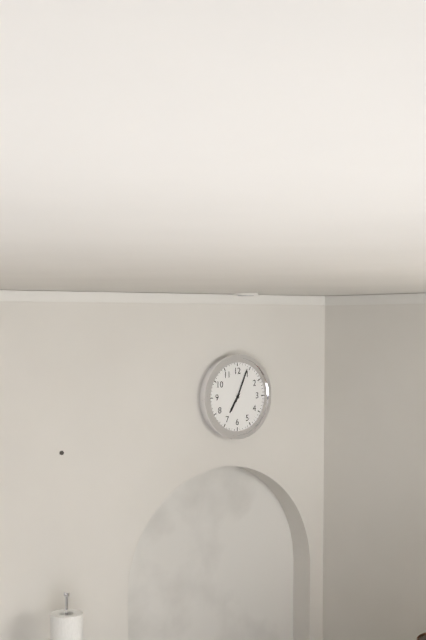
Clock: 7 h 04 min
